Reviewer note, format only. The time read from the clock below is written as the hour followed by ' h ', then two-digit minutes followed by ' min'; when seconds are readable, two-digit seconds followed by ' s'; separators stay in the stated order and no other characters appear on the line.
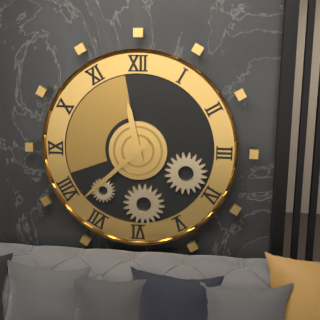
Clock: 11 h 38 min
